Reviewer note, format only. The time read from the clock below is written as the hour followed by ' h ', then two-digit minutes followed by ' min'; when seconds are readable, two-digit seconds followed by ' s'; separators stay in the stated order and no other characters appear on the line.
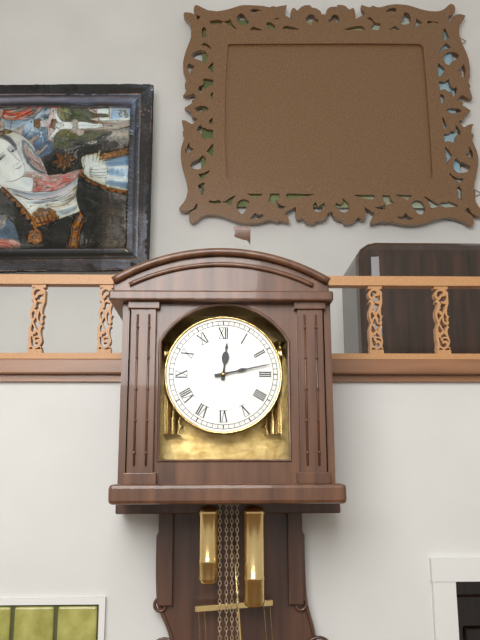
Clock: 12 h 13 min
